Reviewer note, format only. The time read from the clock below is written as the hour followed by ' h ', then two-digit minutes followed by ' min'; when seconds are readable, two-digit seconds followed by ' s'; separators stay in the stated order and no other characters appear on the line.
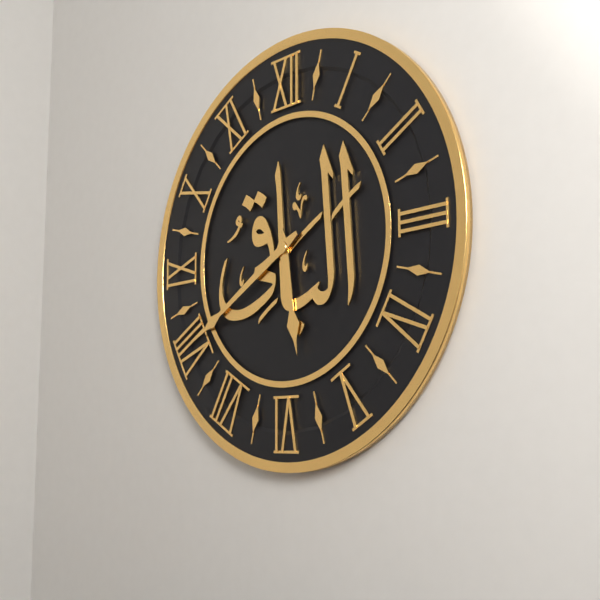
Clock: 5 h 40 min
